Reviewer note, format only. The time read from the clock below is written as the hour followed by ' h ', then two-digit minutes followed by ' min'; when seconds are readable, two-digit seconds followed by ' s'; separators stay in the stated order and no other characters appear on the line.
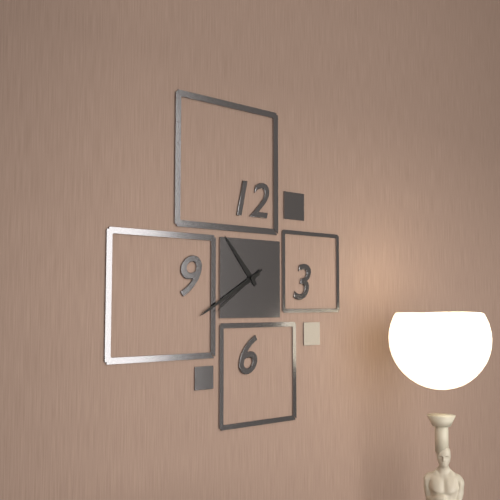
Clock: 10 h 40 min 39 s
